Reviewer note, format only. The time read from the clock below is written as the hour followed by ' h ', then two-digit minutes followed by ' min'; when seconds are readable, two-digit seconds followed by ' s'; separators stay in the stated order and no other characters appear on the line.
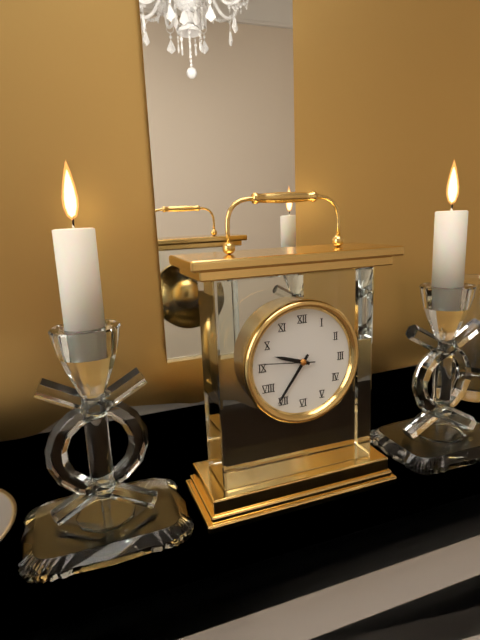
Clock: 9 h 36 min
